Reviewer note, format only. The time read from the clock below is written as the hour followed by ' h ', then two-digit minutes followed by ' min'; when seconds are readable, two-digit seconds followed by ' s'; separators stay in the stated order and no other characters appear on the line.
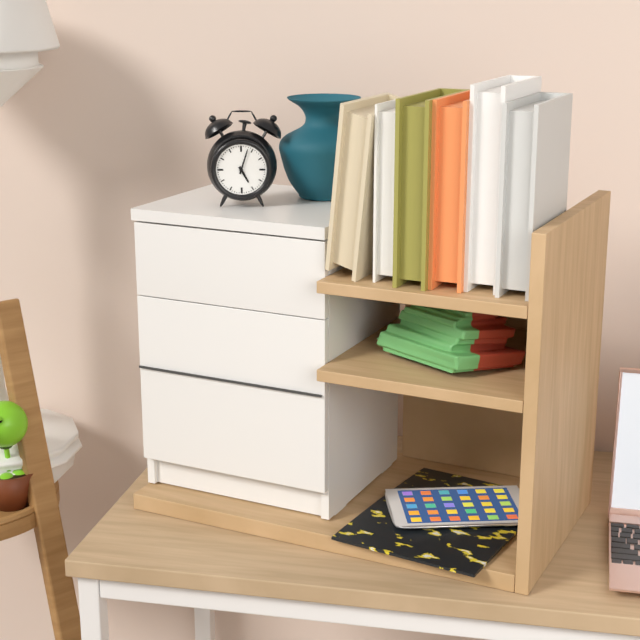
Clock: 5 h 03 min
